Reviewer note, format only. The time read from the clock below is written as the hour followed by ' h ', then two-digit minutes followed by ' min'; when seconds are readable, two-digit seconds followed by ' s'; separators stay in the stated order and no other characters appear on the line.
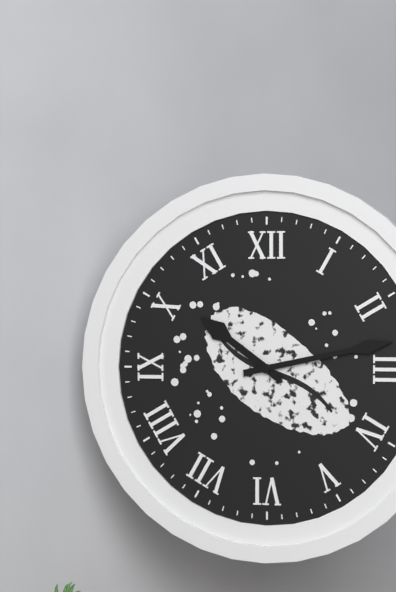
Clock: 10 h 13 min
